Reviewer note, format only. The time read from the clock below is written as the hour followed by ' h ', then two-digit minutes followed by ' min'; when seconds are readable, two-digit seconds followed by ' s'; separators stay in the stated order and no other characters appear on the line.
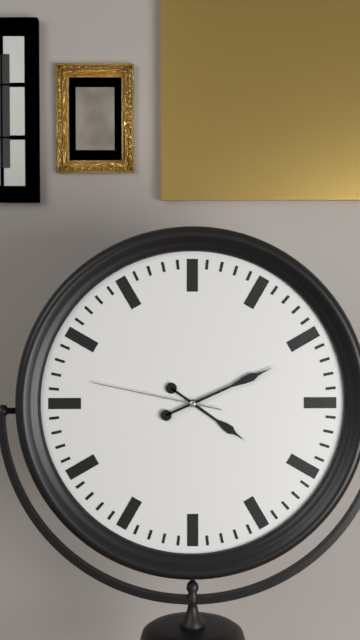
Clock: 4 h 11 min 47 s
